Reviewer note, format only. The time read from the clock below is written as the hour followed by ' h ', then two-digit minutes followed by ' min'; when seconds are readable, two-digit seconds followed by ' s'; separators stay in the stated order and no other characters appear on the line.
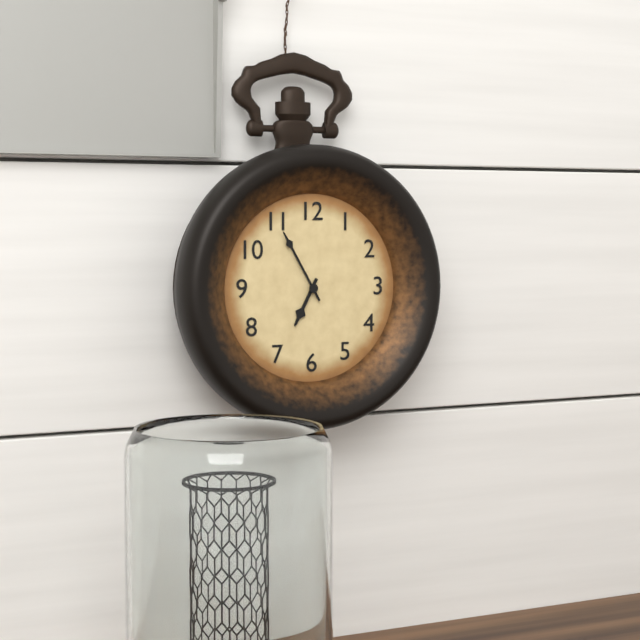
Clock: 6 h 55 min
